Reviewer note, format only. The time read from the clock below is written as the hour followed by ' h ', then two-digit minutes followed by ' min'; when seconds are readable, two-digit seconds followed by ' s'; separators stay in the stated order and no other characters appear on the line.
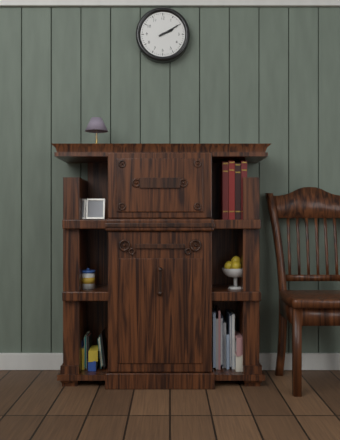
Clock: 2 h 10 min
